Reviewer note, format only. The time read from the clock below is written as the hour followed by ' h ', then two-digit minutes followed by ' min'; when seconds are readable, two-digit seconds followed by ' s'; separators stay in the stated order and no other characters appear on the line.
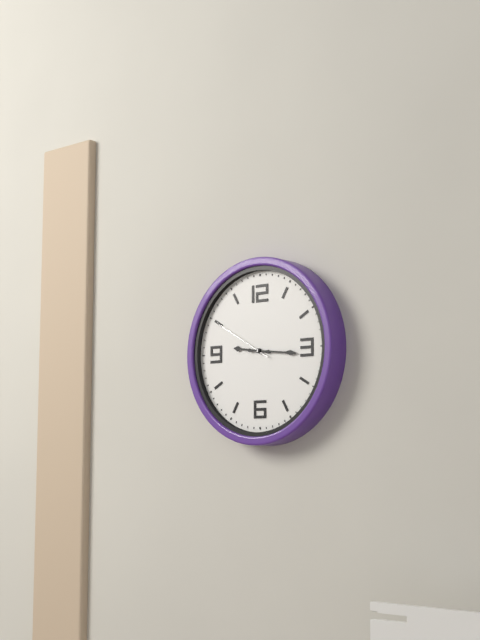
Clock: 9 h 16 min 50 s
